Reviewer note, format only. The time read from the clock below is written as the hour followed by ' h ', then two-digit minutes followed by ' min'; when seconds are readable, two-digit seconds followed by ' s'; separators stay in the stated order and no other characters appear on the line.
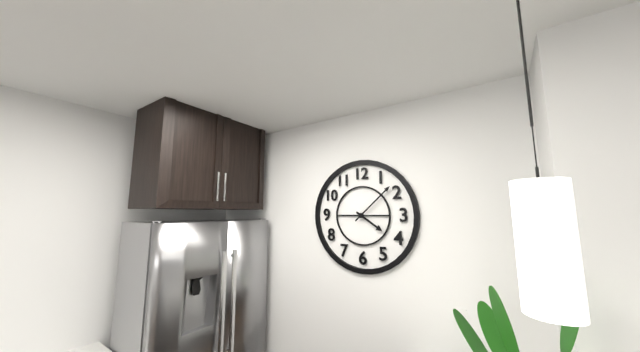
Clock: 4 h 08 min
